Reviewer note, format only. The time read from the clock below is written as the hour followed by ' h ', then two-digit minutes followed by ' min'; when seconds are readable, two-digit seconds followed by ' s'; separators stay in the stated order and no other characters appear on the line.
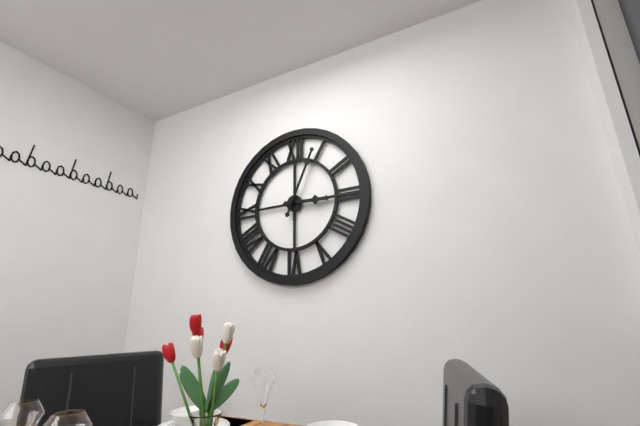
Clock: 3 h 04 min
